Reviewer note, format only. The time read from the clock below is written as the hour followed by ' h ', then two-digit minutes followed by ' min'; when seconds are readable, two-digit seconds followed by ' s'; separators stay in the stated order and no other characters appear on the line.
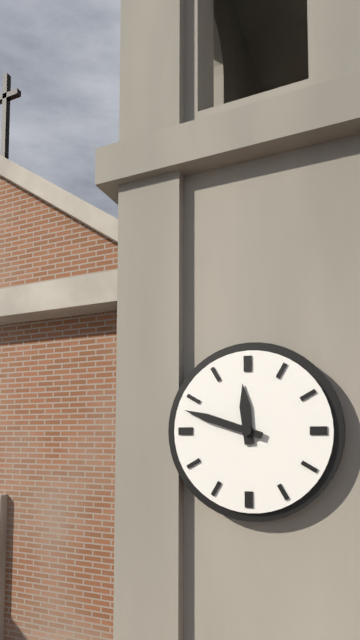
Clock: 11 h 48 min
